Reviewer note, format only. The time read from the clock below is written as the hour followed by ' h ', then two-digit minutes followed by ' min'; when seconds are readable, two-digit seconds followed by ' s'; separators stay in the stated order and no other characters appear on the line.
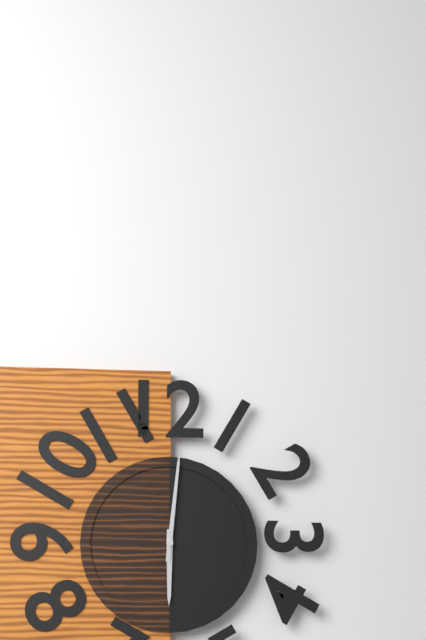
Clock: 6 h 01 min
